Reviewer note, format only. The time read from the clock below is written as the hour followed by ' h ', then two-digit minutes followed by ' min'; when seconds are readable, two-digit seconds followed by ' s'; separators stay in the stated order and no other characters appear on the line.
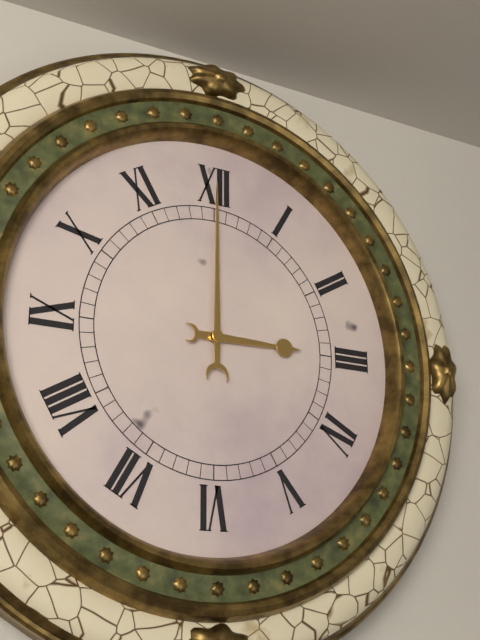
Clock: 3 h 00 min
